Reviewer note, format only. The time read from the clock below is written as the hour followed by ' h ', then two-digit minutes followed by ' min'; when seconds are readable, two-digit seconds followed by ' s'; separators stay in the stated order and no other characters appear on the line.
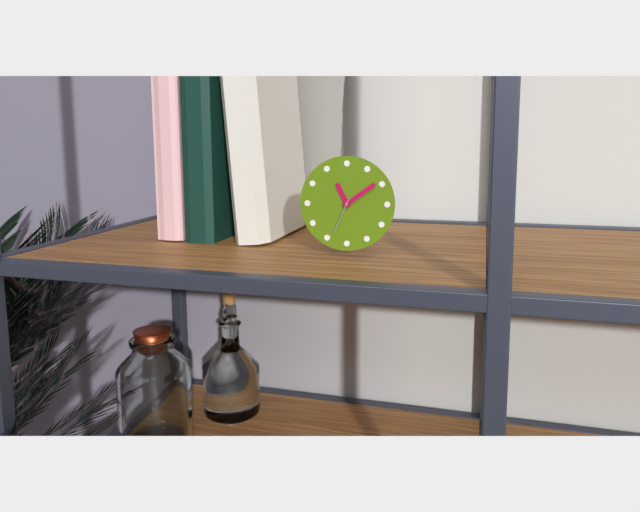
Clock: 11 h 09 min
